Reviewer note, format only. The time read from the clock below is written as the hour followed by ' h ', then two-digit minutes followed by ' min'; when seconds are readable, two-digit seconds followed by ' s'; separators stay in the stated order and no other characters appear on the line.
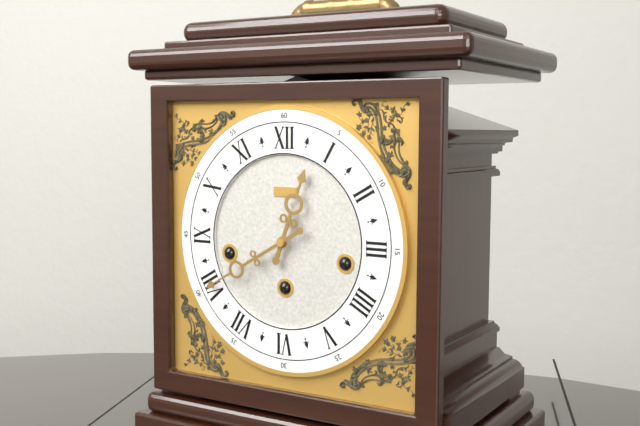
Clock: 12 h 40 min
